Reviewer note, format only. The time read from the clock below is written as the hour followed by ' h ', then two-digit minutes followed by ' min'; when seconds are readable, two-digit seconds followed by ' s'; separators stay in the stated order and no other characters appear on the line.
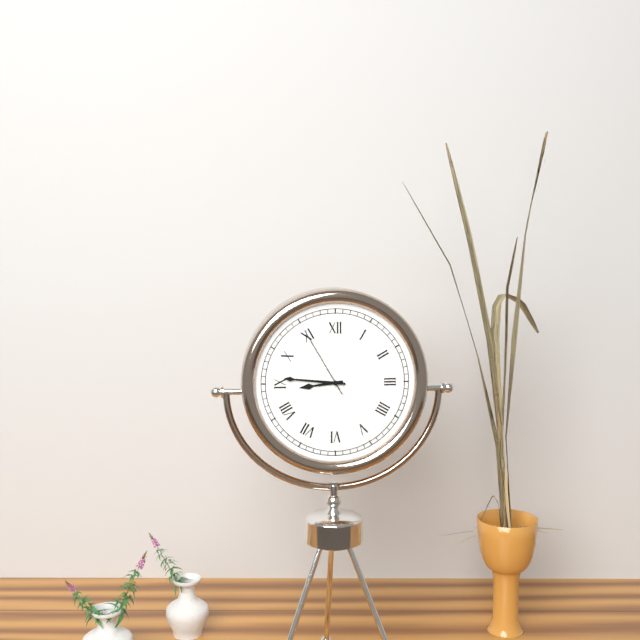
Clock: 8 h 46 min 55 s
